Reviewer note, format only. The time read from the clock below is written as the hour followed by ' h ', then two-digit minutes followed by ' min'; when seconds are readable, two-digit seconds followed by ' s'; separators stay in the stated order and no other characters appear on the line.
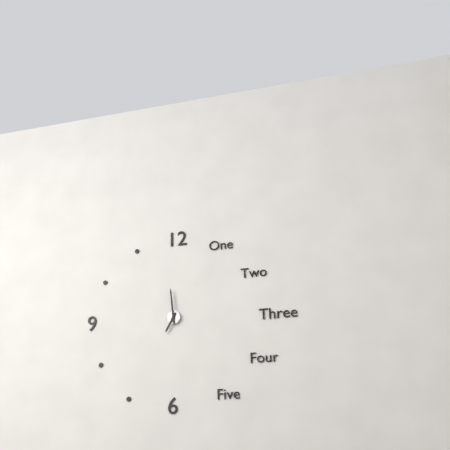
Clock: 6 h 59 min
